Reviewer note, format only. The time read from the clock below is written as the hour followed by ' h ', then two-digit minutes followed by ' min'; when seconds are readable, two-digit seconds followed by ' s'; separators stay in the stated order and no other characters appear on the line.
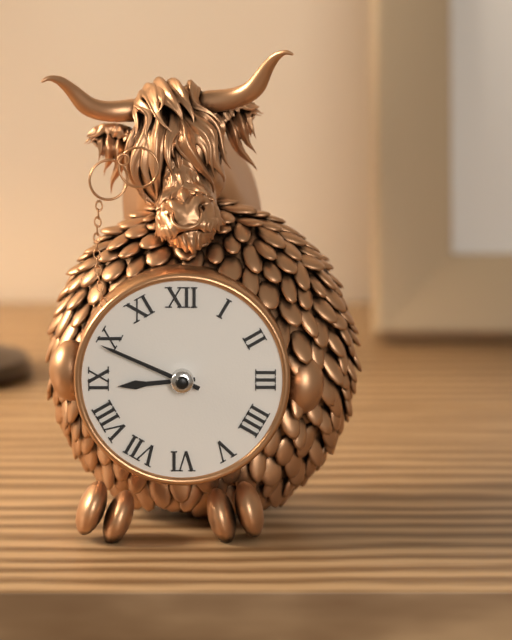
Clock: 8 h 49 min
